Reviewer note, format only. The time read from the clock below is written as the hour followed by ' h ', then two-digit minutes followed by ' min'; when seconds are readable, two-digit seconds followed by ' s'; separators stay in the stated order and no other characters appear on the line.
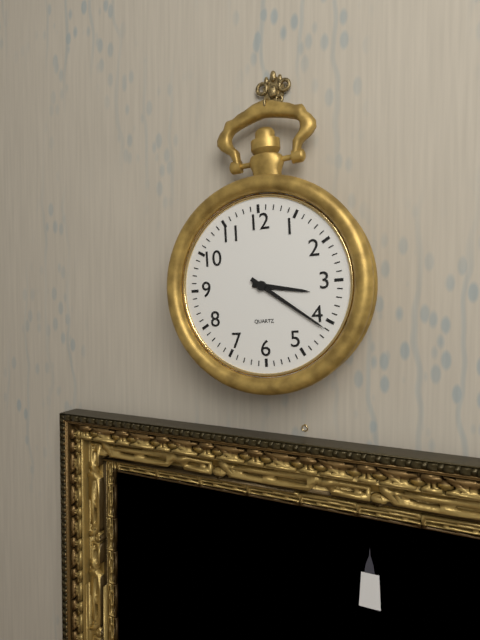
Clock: 3 h 21 min
